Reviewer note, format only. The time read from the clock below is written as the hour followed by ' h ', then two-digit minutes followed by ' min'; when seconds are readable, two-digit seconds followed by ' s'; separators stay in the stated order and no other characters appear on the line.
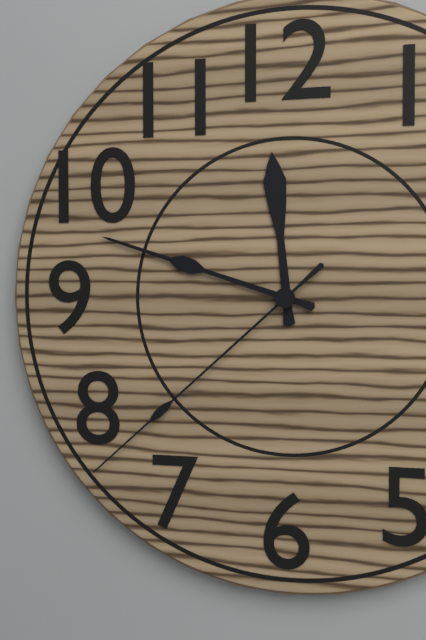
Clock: 11 h 48 min 38 s
